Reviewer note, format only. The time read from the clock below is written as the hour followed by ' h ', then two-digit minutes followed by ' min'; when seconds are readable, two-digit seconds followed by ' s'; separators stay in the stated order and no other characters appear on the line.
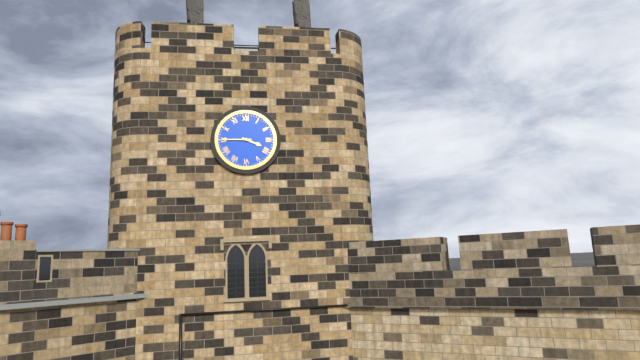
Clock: 3 h 45 min
